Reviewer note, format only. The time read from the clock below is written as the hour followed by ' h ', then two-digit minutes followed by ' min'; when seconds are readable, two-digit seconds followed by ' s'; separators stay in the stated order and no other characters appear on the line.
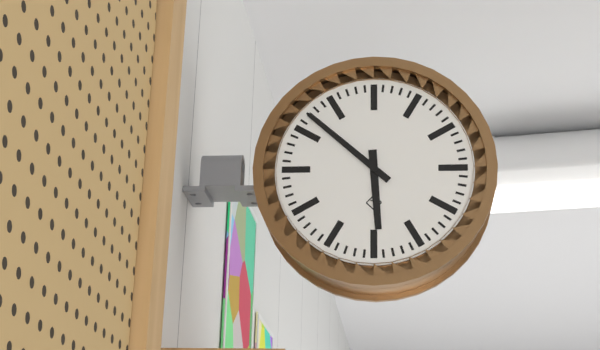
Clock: 5 h 52 min
